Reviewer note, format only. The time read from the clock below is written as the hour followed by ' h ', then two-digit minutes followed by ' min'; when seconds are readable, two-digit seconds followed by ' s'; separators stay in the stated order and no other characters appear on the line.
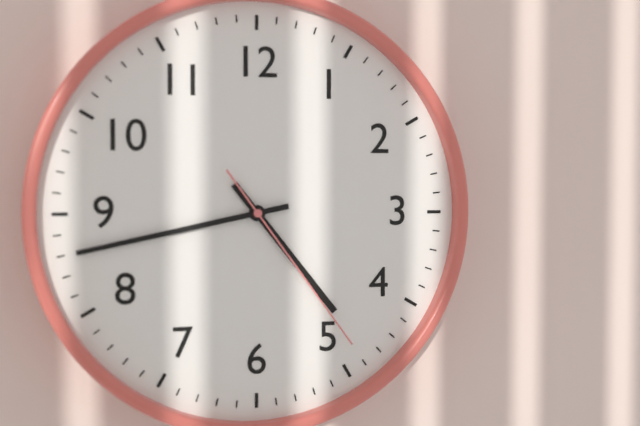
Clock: 4 h 43 min 24 s
